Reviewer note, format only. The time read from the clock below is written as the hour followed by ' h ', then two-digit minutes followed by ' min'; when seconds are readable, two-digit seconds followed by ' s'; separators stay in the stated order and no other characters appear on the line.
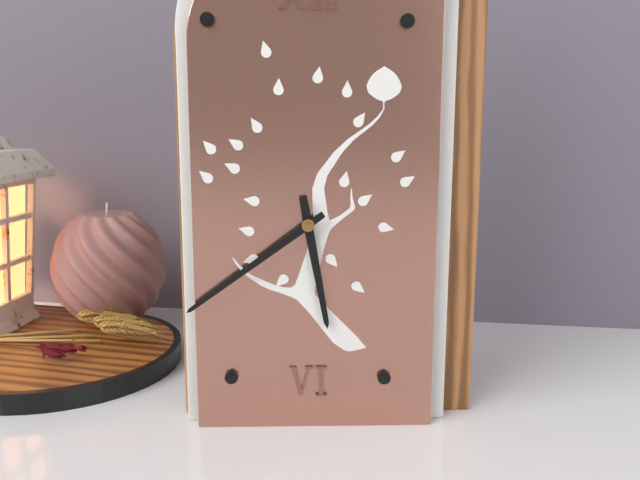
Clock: 5 h 39 min
